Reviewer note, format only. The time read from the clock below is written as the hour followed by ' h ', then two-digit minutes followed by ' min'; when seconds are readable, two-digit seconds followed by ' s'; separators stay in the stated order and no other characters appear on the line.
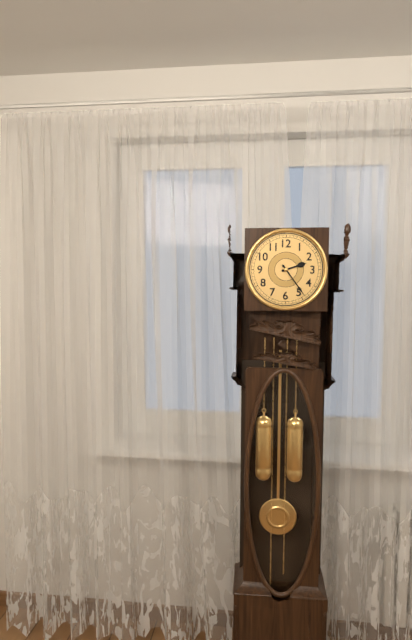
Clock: 2 h 24 min
